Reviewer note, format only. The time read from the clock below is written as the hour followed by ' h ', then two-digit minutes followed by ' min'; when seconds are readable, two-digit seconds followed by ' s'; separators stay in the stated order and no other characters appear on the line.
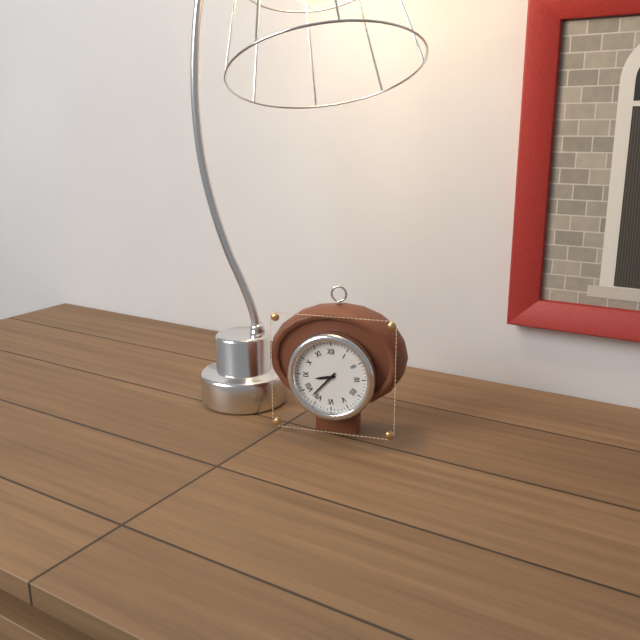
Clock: 8 h 37 min
